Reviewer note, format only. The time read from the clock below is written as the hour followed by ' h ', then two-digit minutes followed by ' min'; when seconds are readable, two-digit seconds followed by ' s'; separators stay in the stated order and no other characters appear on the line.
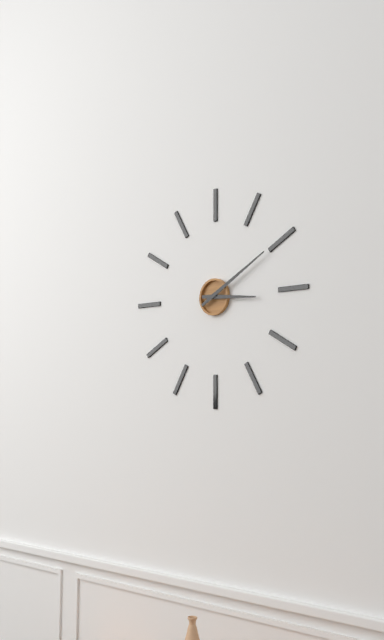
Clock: 3 h 10 min
